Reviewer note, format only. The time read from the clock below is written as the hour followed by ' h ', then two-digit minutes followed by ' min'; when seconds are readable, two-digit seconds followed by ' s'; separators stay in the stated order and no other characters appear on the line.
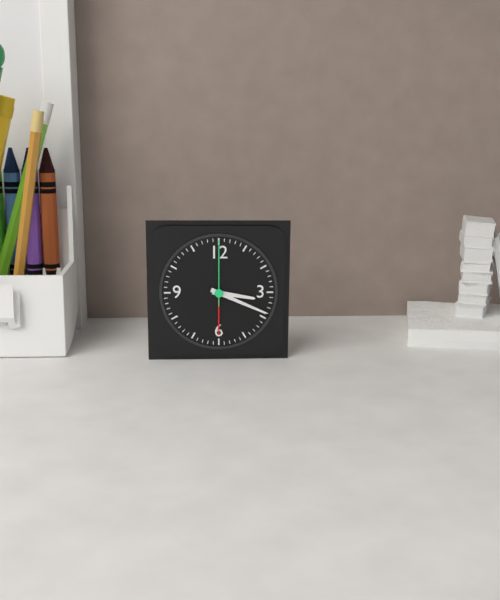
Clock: 3 h 19 min 00 s
